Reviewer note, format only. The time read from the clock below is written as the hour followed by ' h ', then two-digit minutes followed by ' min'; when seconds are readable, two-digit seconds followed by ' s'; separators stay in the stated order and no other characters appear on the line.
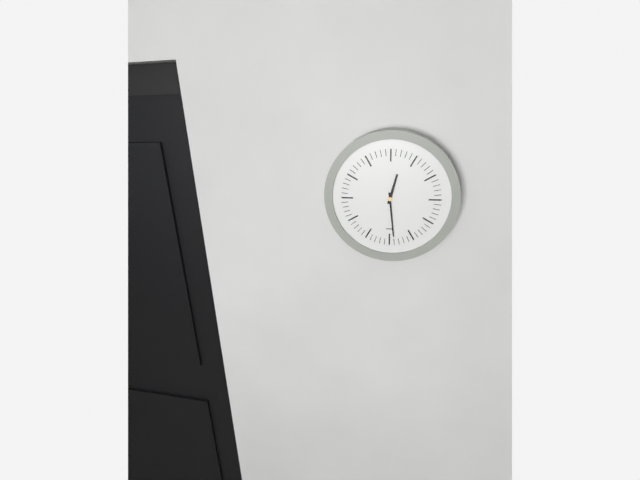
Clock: 12 h 29 min
